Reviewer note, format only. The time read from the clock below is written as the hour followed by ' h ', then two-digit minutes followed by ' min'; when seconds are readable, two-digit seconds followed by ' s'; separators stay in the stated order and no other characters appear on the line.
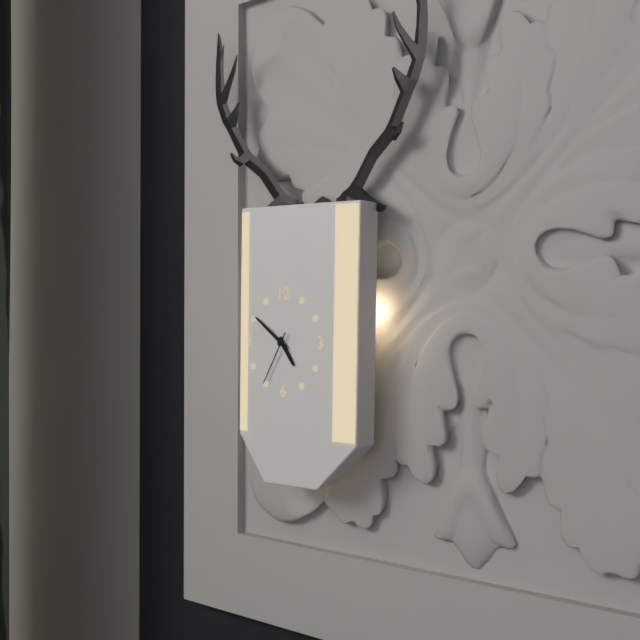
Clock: 4 h 51 min 35 s
